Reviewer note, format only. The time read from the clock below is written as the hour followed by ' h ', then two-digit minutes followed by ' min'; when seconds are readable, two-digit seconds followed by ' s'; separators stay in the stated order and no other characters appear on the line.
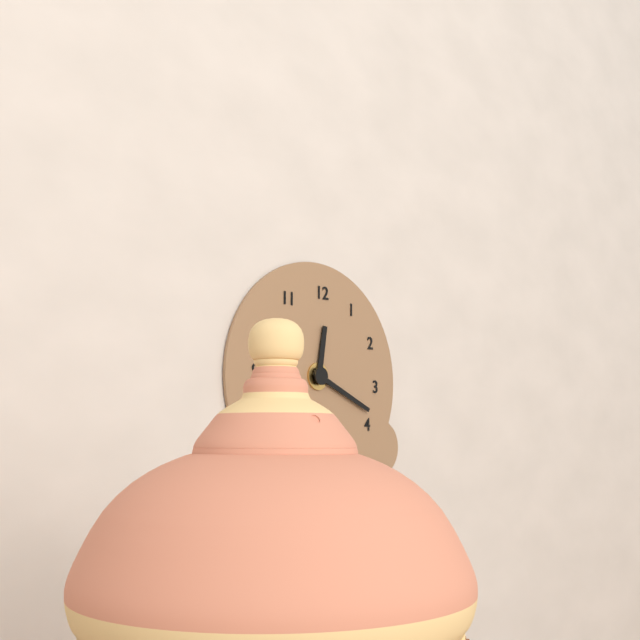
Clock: 12 h 19 min
